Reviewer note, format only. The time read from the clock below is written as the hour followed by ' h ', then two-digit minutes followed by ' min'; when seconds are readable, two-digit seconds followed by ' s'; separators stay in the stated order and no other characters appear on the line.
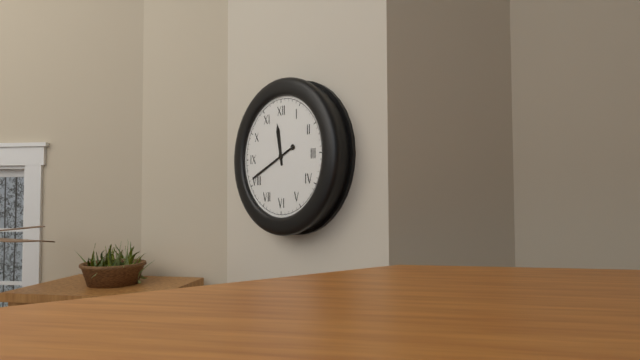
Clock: 11 h 41 min
